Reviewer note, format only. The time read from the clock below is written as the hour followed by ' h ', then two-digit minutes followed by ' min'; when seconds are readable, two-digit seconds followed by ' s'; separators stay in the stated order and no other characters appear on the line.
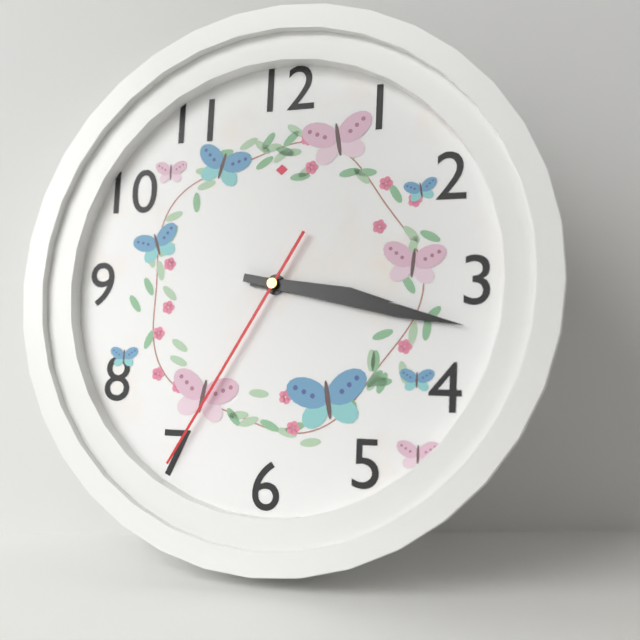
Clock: 3 h 17 min 35 s
